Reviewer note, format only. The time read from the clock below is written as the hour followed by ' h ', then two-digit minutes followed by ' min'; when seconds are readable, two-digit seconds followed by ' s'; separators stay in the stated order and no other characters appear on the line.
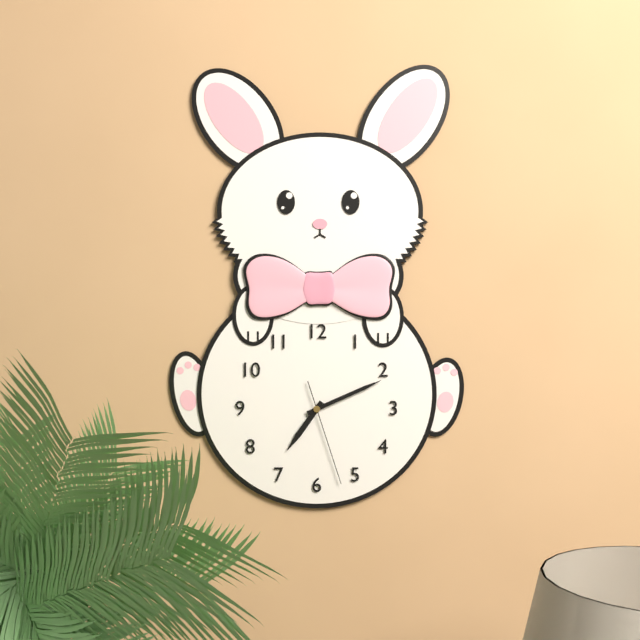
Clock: 7 h 11 min 27 s
